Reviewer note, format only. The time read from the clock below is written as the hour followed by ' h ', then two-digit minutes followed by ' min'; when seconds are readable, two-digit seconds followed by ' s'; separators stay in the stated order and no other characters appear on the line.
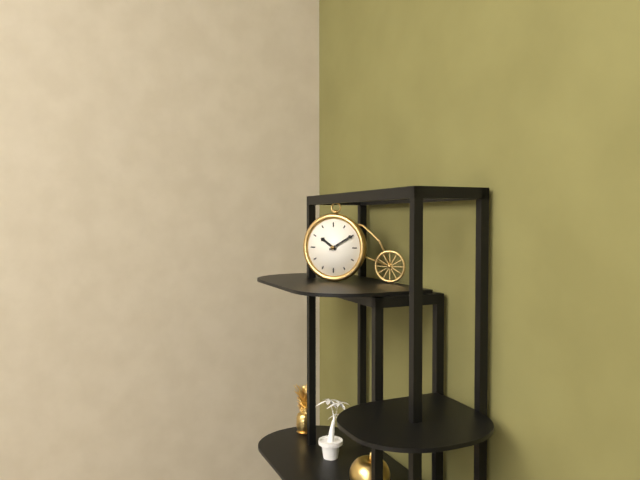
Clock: 10 h 10 min
